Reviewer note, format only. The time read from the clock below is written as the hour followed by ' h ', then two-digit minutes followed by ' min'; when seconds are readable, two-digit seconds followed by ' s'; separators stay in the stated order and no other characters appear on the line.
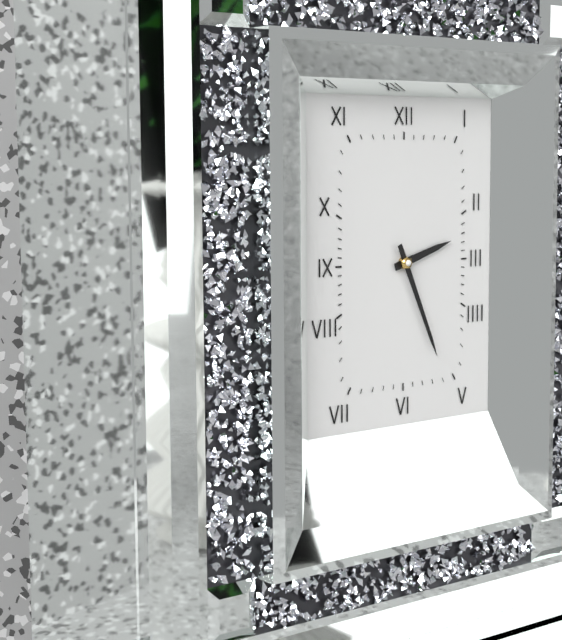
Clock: 2 h 26 min
